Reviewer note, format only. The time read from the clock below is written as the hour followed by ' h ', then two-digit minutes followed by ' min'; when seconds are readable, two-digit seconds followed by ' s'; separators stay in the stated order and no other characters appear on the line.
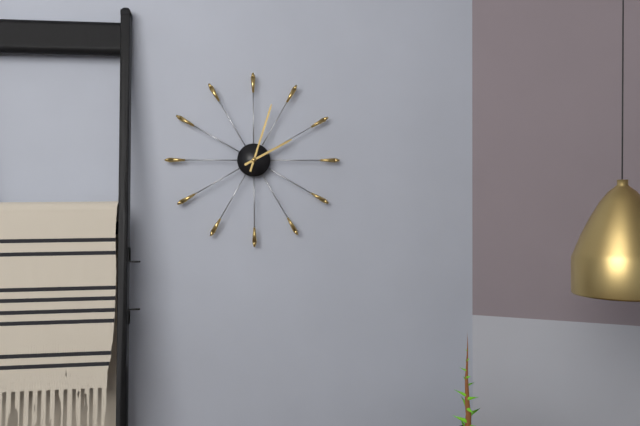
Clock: 2 h 03 min
